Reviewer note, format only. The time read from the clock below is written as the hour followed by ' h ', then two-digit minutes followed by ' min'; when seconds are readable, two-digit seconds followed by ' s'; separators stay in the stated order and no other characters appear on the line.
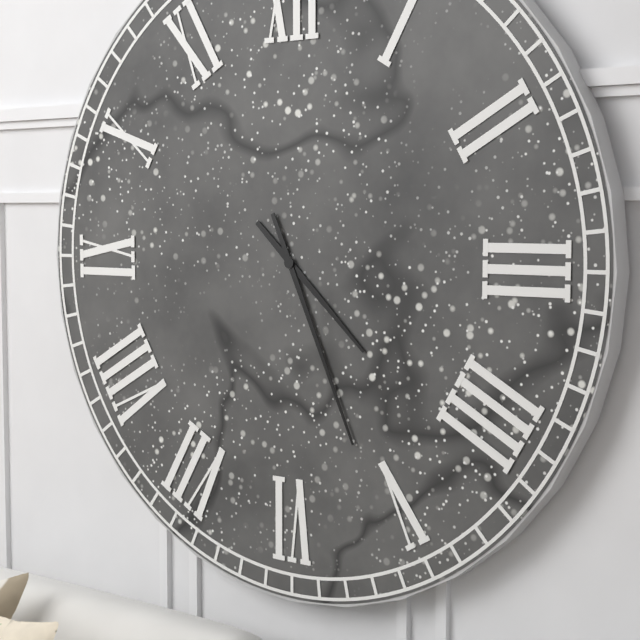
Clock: 4 h 26 min
